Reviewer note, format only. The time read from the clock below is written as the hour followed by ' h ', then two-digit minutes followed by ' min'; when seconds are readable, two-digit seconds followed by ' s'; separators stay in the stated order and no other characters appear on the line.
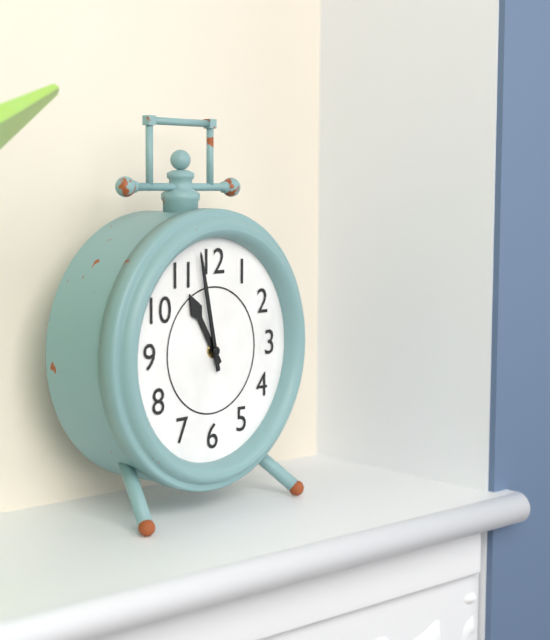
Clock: 10 h 58 min
